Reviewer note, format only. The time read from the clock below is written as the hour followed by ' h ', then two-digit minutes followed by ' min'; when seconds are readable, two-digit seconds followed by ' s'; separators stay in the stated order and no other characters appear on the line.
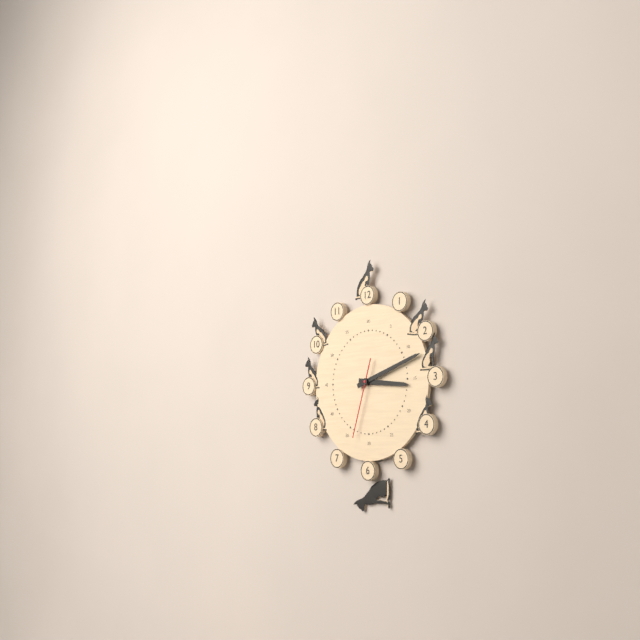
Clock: 3 h 12 min 33 s
